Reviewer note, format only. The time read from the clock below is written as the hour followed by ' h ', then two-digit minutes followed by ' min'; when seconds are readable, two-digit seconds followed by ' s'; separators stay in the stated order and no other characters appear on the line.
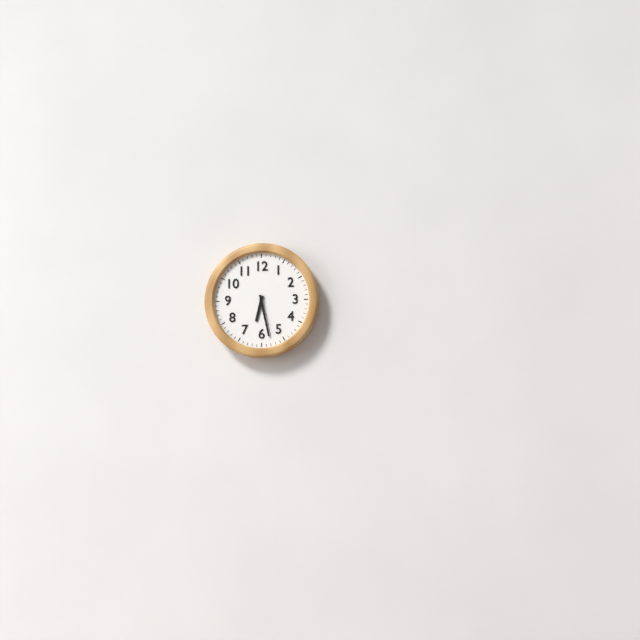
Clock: 6 h 28 min
